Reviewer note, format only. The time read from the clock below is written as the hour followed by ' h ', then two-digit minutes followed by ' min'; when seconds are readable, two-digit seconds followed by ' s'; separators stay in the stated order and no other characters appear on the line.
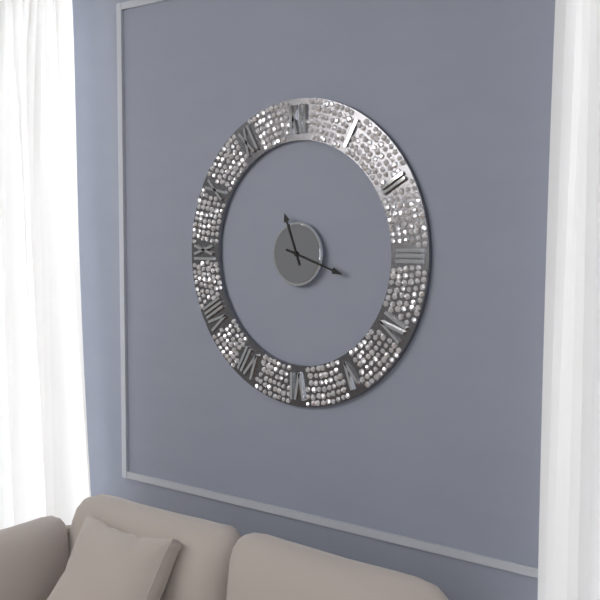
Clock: 11 h 18 min
